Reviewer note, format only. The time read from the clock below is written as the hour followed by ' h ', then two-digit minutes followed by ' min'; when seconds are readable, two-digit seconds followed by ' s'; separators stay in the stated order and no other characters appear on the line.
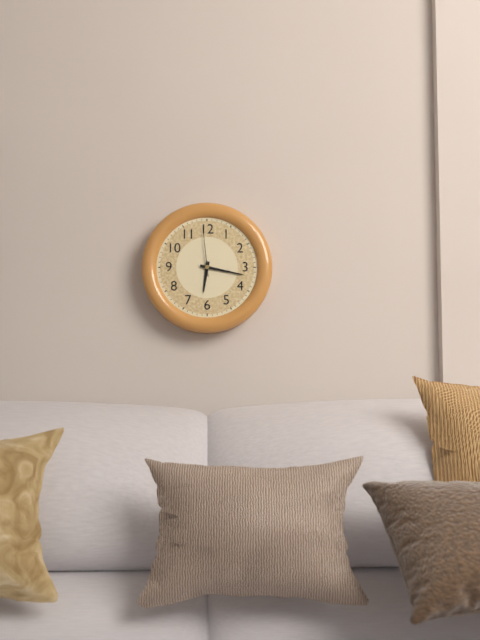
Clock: 6 h 17 min 59 s
